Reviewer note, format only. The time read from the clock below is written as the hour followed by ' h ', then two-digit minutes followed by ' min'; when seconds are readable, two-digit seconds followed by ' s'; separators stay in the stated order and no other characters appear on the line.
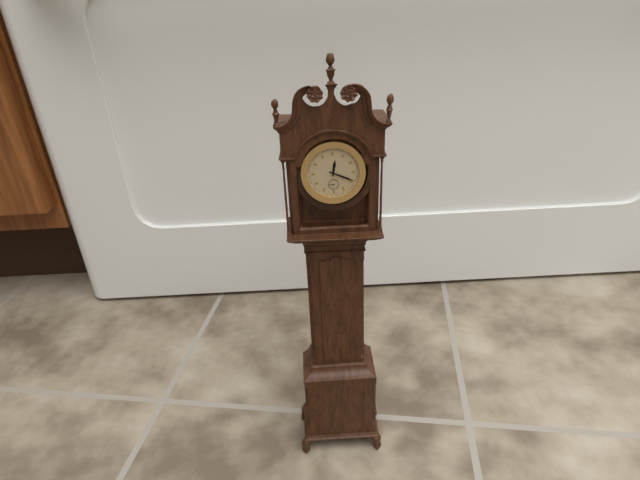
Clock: 12 h 19 min
